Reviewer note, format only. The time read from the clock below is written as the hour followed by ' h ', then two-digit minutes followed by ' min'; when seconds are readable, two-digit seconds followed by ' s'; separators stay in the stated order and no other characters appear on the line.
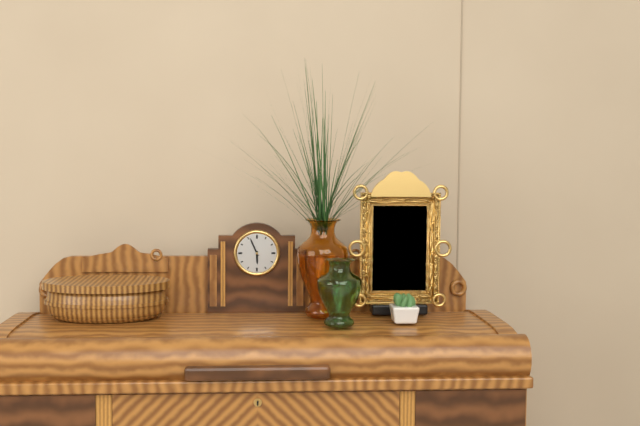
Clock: 5 h 56 min
